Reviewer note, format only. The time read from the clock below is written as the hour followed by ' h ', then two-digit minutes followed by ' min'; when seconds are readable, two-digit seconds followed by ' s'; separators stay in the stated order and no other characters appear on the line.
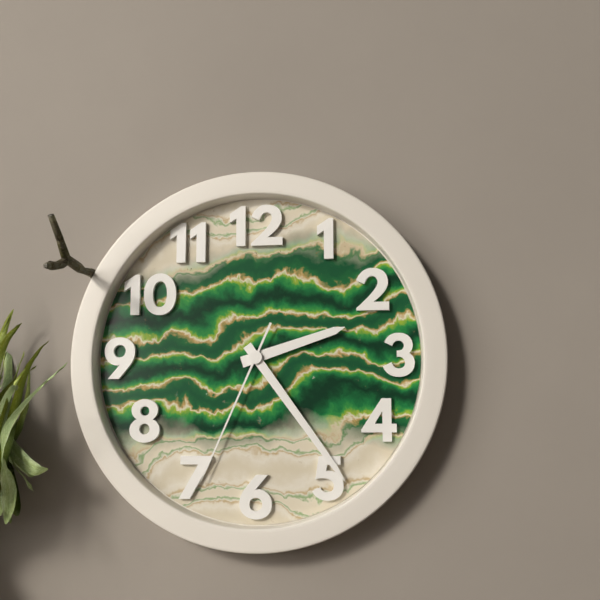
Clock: 2 h 24 min 34 s
